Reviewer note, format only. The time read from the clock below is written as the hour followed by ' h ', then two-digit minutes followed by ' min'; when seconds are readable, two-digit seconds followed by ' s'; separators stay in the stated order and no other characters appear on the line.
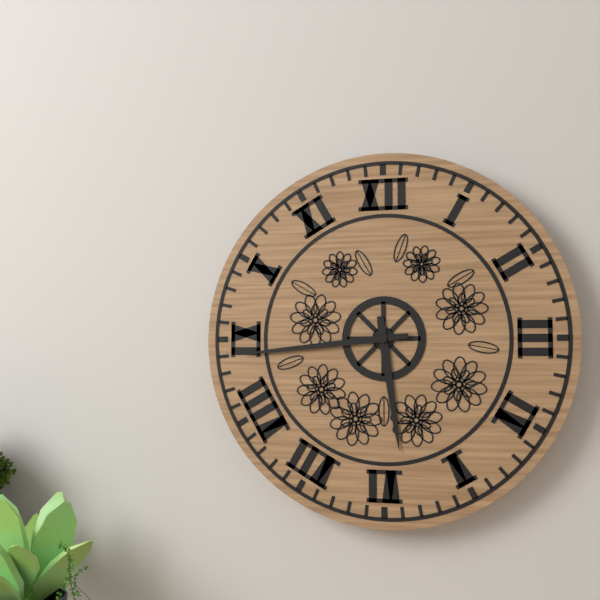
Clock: 5 h 44 min
